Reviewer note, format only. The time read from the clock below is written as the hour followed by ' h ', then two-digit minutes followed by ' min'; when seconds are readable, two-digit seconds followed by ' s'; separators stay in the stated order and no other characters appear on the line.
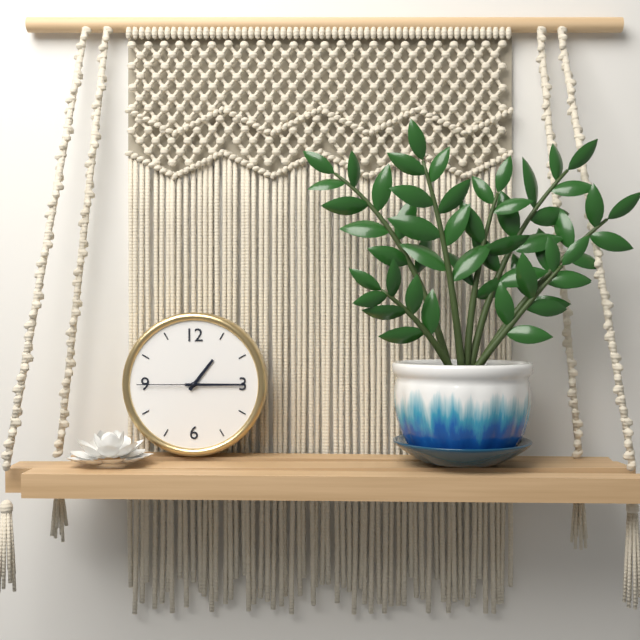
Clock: 1 h 15 min 45 s
